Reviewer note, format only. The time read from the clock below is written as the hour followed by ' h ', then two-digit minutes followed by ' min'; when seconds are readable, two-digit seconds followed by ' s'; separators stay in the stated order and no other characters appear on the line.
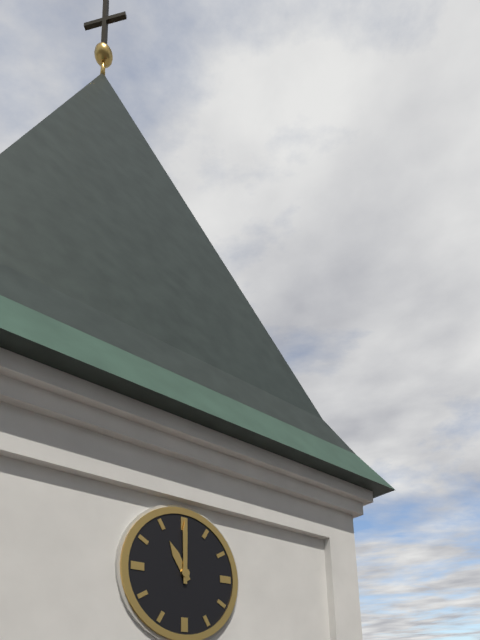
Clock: 11 h 00 min
